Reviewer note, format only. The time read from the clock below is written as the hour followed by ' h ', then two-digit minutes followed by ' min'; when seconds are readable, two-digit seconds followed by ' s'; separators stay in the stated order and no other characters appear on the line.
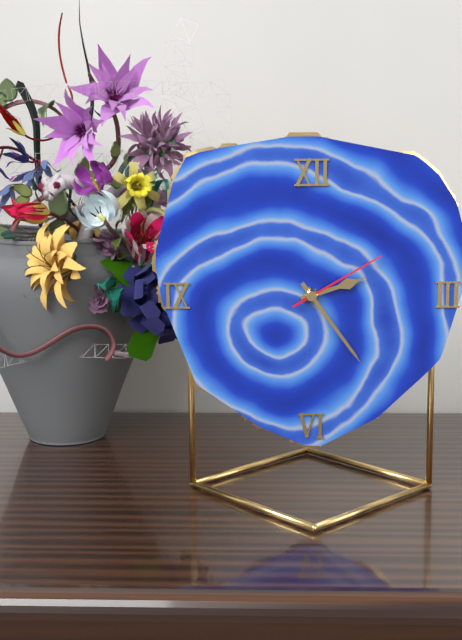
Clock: 2 h 24 min 10 s
